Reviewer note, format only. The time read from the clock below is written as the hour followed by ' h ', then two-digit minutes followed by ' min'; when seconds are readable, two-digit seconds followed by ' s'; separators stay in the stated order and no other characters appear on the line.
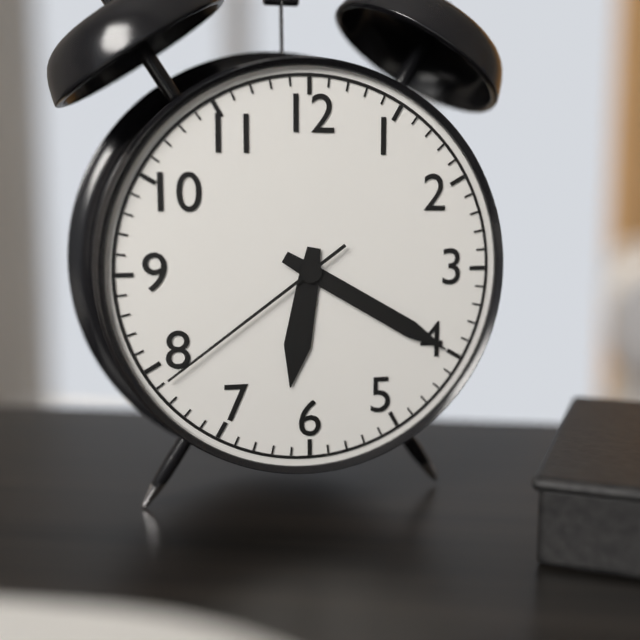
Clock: 6 h 20 min 39 s
